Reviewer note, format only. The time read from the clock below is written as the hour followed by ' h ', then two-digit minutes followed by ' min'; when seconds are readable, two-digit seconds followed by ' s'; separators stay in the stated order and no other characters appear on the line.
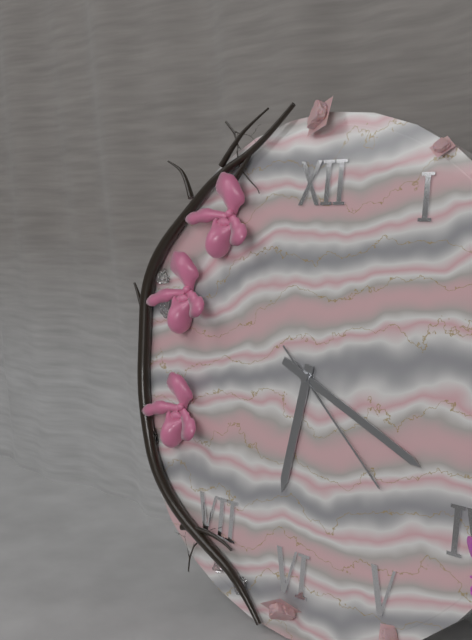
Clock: 6 h 19 min 22 s
